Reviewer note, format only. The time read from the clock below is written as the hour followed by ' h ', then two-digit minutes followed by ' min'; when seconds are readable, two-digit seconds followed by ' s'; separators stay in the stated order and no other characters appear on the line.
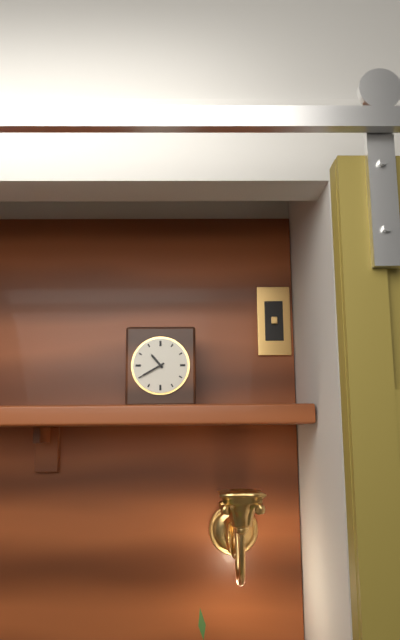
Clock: 10 h 40 min
